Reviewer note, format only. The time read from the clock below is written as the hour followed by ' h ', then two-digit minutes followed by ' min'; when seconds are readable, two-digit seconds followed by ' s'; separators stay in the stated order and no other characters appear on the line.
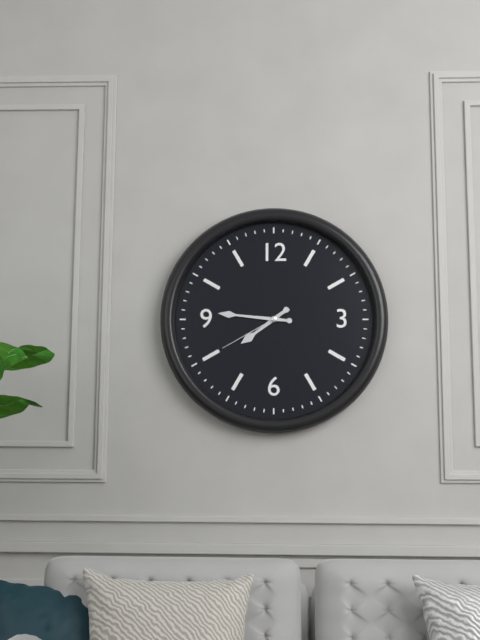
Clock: 7 h 46 min 40 s
